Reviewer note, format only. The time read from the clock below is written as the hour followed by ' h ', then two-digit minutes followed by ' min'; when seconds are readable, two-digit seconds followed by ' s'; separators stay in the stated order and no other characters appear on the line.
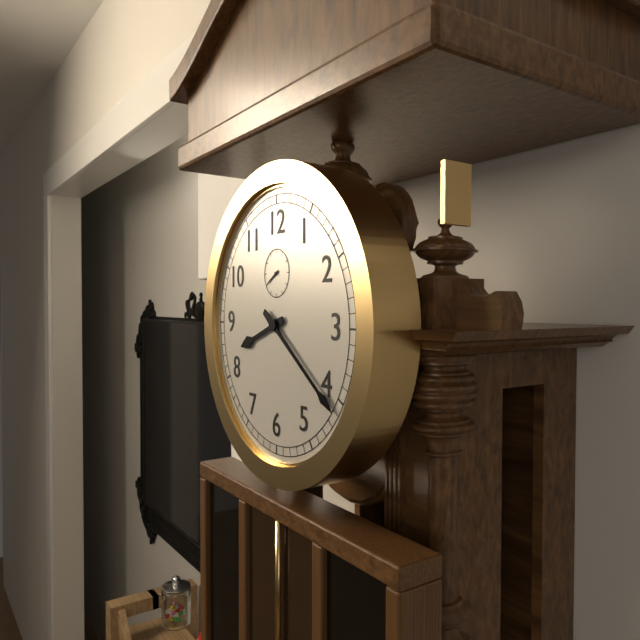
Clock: 8 h 21 min
